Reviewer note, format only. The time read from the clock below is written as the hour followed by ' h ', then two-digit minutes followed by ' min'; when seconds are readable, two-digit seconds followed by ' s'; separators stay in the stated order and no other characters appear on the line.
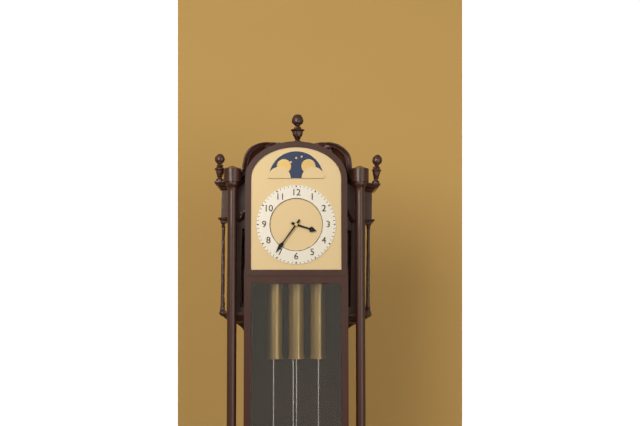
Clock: 3 h 36 min
